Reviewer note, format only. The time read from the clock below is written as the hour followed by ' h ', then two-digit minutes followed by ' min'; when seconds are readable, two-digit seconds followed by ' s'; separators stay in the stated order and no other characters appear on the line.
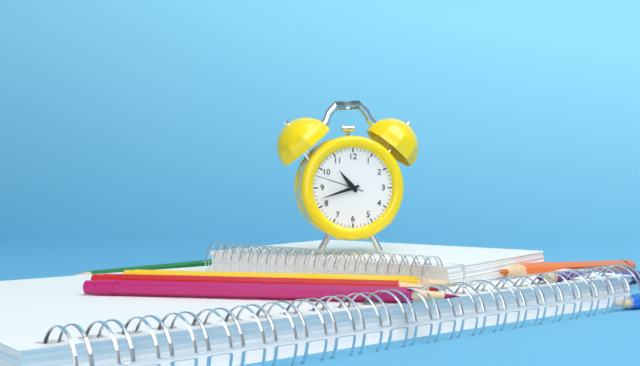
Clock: 10 h 42 min
